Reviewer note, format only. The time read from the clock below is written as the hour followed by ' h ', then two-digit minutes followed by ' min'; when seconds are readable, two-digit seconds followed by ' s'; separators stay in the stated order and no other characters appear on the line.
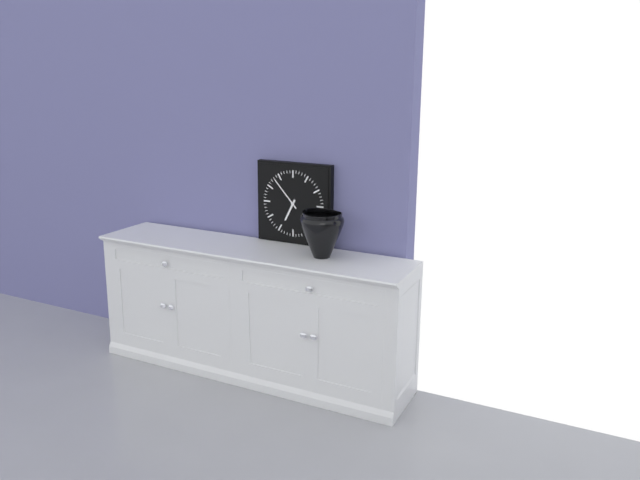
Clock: 6 h 53 min
